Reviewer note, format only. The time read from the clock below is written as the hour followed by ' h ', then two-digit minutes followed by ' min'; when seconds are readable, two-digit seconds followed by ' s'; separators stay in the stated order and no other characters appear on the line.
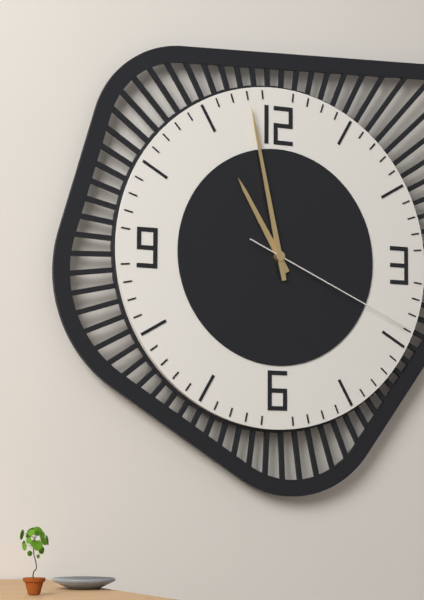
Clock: 10 h 58 min 19 s
